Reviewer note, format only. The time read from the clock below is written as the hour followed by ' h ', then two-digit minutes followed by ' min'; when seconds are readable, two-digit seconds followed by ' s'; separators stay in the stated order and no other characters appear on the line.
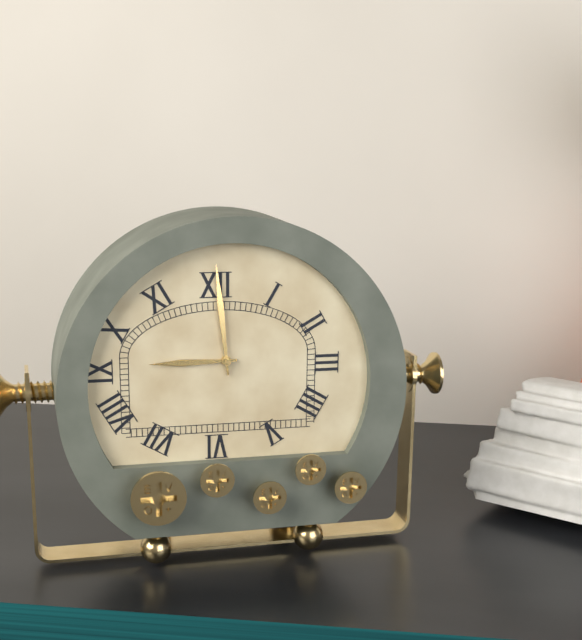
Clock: 8 h 59 min
